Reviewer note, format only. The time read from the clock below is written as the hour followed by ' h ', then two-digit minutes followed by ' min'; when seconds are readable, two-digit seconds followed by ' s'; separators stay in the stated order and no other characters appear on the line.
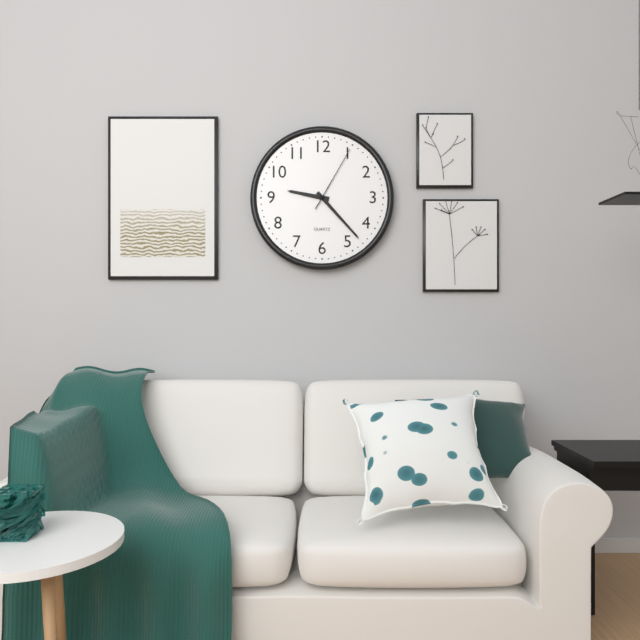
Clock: 9 h 23 min 05 s
